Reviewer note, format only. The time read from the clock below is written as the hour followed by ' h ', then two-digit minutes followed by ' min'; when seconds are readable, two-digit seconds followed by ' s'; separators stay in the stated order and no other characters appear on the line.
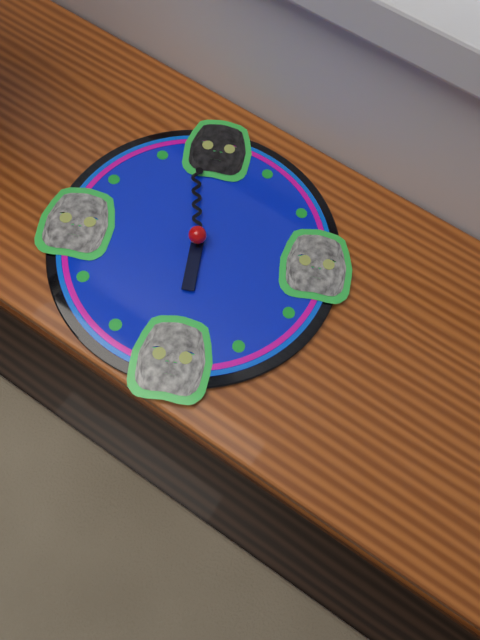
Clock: 5 h 58 min
